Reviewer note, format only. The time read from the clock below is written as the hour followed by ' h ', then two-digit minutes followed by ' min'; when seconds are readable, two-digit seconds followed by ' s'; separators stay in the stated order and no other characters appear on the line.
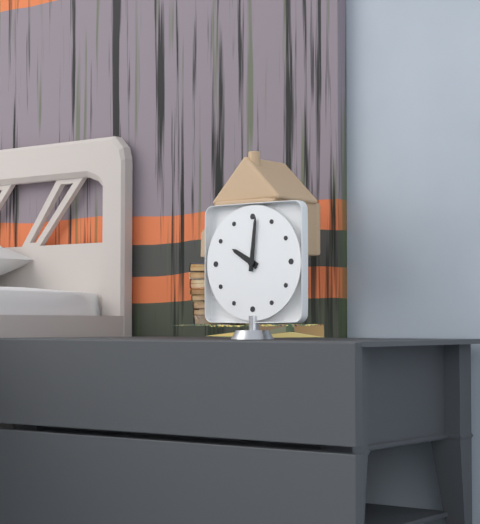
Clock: 10 h 01 min
